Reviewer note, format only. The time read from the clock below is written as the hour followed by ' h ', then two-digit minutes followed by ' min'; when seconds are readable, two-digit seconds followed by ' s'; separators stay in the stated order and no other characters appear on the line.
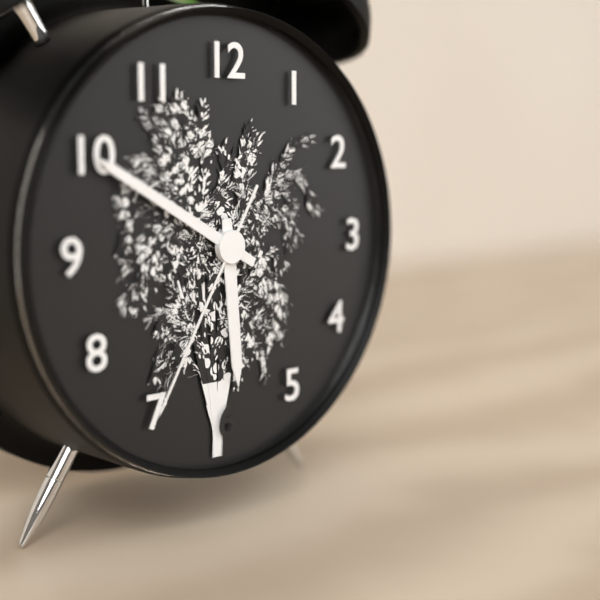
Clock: 5 h 50 min 35 s
